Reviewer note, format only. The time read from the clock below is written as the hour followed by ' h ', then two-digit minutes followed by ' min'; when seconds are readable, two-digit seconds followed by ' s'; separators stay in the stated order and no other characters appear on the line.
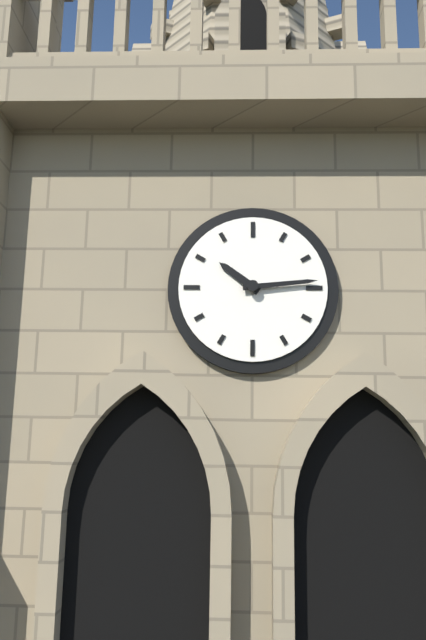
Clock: 10 h 14 min
